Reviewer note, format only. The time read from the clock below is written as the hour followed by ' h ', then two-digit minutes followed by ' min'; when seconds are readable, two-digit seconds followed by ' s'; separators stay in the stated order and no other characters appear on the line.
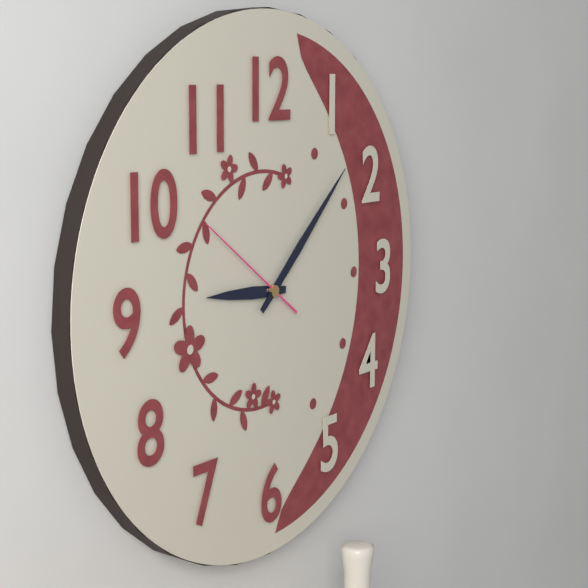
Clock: 9 h 08 min 51 s
